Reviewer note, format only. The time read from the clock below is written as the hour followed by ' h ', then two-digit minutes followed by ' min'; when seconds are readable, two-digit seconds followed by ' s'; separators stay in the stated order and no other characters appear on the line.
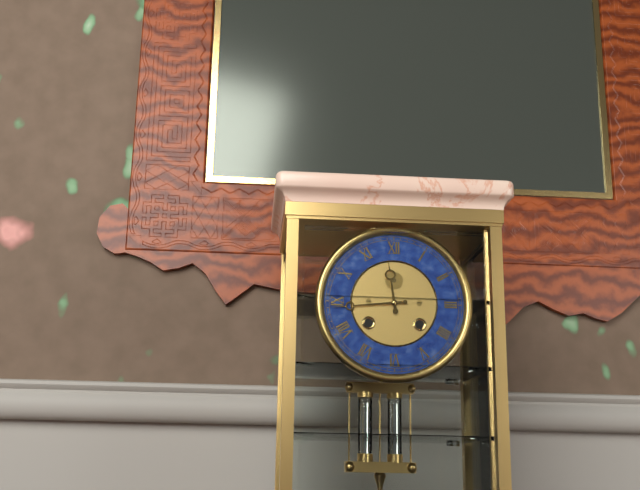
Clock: 11 h 44 min
